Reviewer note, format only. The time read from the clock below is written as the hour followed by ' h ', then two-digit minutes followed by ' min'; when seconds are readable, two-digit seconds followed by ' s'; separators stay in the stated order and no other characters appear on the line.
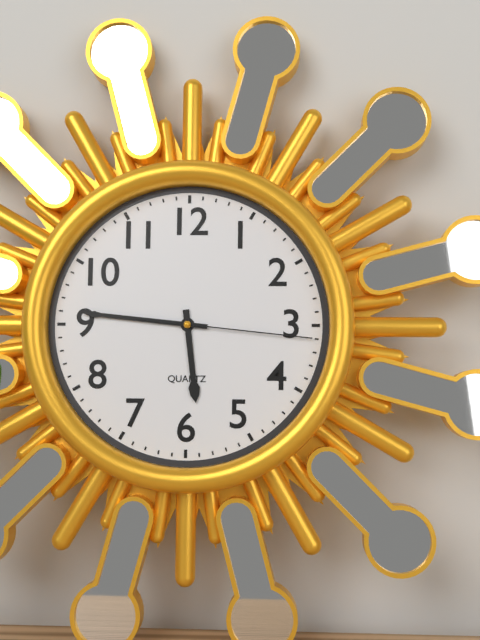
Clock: 5 h 46 min 16 s
